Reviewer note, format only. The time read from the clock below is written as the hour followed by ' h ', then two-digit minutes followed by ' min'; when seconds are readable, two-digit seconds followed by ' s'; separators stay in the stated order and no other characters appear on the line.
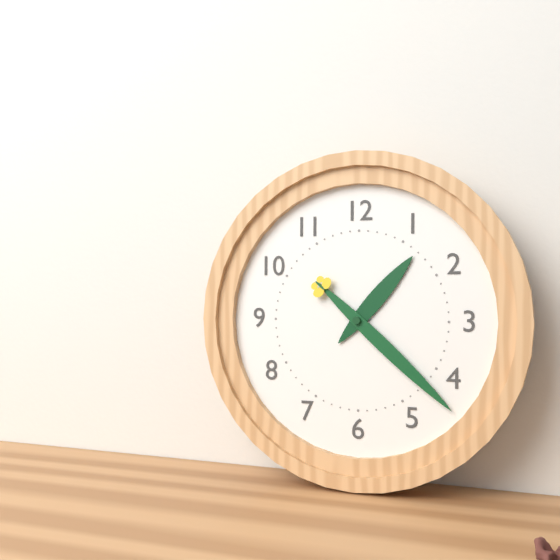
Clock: 1 h 22 min
